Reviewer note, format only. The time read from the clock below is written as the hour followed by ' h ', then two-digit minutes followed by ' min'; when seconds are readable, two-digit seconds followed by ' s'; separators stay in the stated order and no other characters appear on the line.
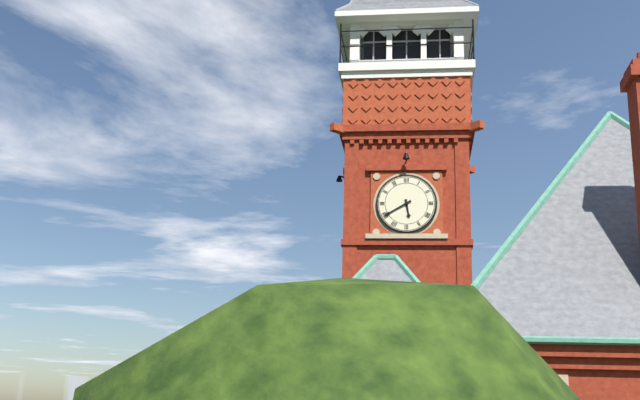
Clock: 5 h 40 min
